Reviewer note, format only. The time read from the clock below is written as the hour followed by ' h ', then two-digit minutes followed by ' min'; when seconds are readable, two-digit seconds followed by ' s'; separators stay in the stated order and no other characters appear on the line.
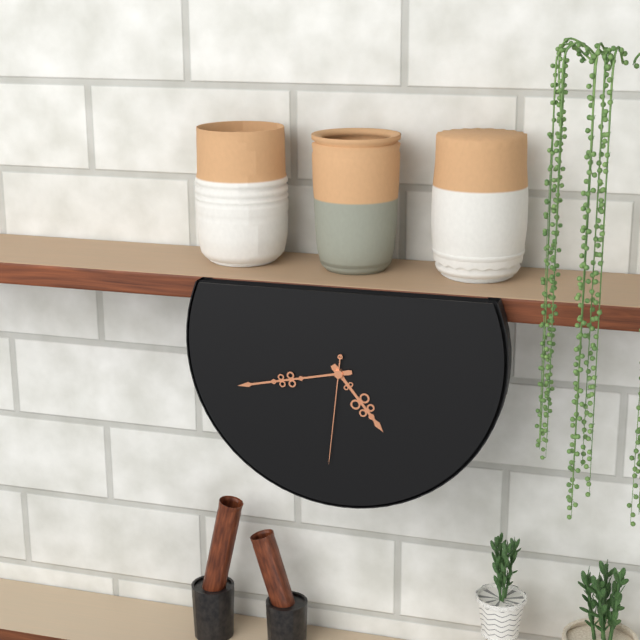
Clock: 4 h 43 min 31 s
